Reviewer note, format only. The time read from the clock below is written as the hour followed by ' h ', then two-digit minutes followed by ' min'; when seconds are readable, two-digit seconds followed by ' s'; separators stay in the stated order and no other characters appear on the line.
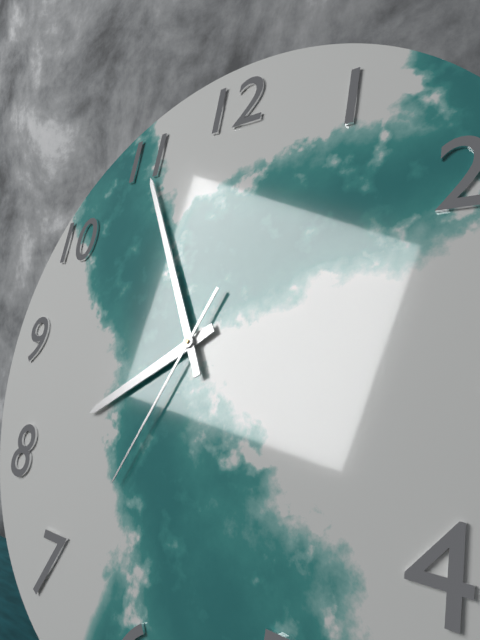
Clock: 7 h 55 min 34 s
